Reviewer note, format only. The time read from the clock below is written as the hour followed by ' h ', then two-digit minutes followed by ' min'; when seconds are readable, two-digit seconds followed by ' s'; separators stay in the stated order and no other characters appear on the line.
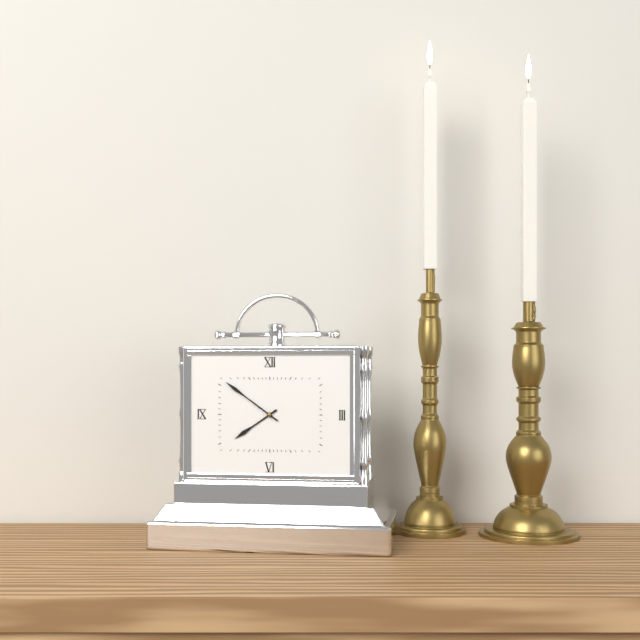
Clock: 7 h 51 min
